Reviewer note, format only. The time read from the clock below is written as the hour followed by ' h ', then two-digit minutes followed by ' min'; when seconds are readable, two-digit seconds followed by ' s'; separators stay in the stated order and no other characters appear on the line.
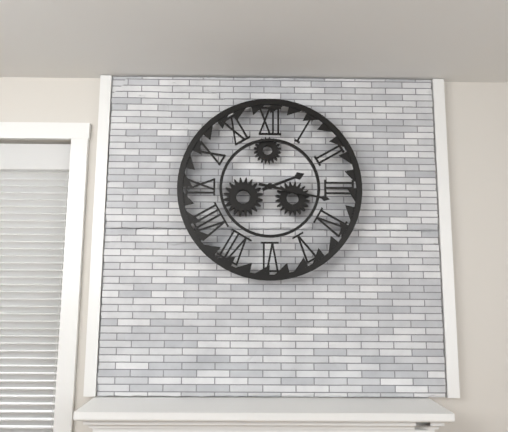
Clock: 2 h 17 min
